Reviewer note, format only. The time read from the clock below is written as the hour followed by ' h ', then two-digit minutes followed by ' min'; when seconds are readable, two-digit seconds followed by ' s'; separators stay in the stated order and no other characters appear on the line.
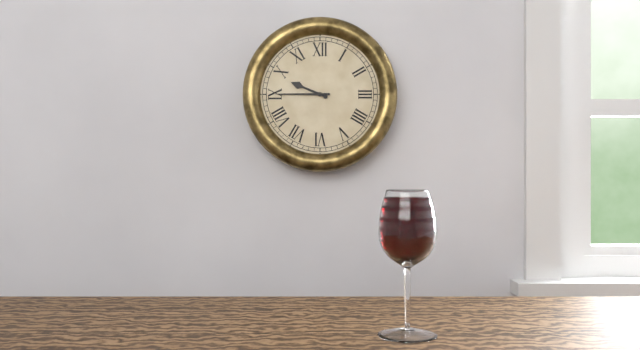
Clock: 9 h 45 min
